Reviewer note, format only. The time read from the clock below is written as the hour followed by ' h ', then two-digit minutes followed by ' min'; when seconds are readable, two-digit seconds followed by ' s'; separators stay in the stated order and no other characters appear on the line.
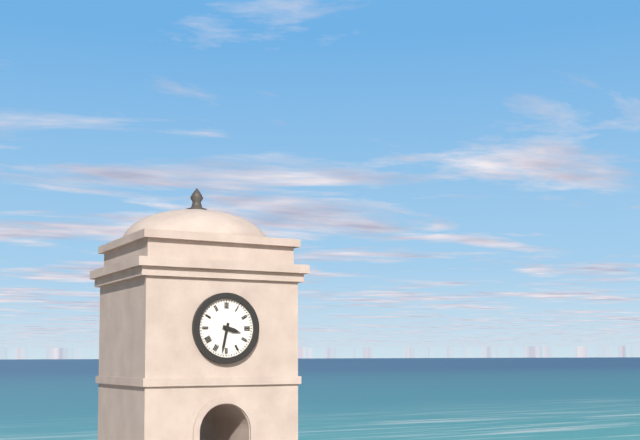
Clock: 3 h 32 min
